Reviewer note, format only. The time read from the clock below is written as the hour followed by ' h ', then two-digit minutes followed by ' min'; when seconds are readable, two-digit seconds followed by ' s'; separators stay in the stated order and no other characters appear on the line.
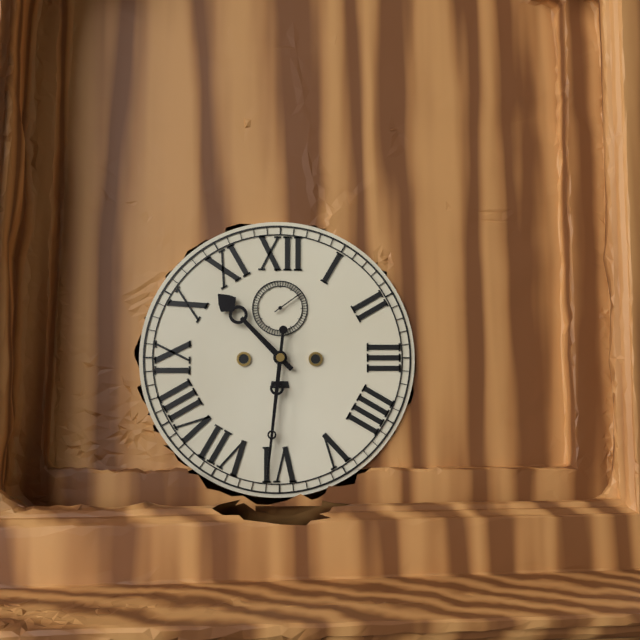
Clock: 10 h 31 min
